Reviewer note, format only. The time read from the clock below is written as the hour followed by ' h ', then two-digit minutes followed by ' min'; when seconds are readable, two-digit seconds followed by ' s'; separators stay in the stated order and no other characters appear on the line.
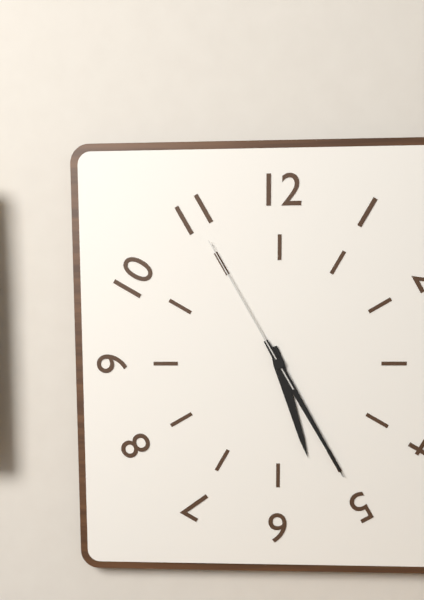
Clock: 5 h 25 min 55 s
